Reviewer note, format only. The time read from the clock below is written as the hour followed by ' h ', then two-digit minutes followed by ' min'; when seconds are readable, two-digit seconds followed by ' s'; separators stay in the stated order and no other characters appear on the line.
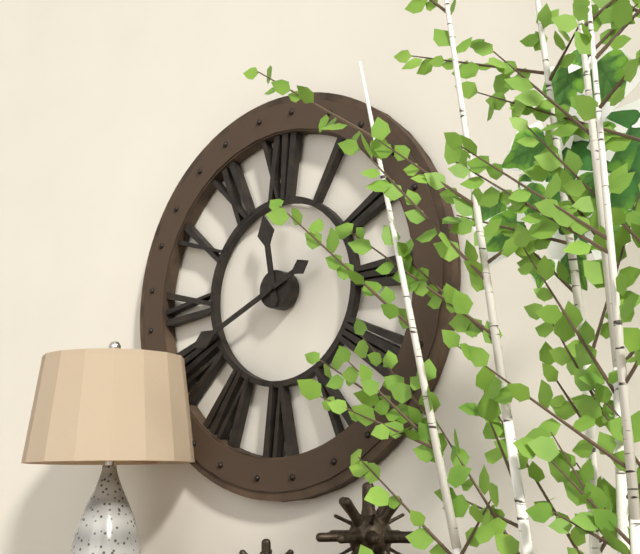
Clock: 11 h 41 min
